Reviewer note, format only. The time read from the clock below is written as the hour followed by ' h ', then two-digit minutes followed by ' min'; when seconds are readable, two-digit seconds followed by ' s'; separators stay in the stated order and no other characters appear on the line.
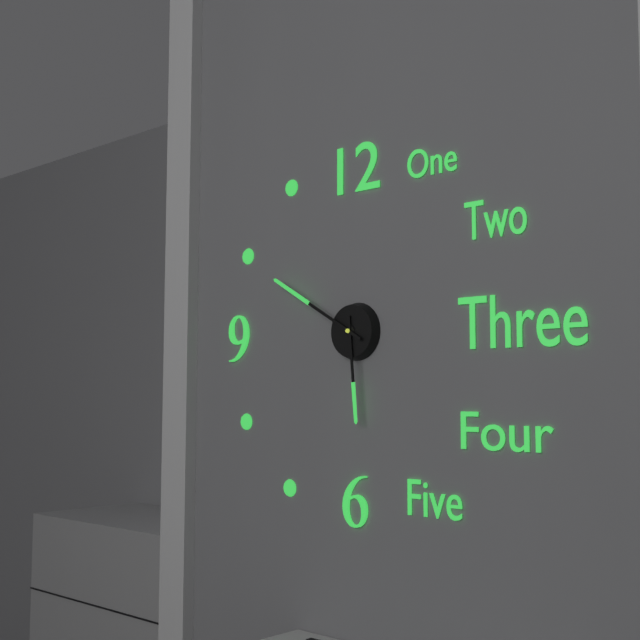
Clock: 5 h 50 min
